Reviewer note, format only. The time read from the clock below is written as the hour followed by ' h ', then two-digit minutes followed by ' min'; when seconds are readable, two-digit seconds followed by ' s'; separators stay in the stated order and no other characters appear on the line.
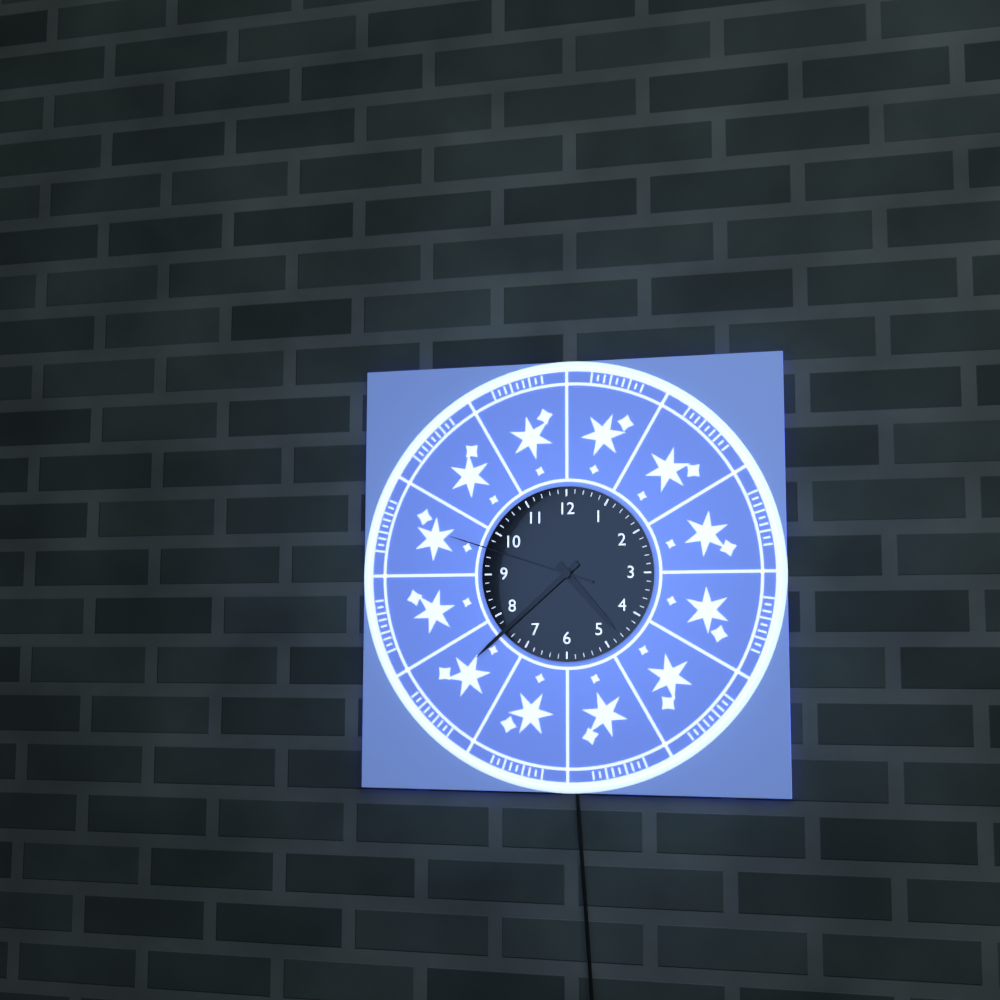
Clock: 4 h 38 min 48 s
